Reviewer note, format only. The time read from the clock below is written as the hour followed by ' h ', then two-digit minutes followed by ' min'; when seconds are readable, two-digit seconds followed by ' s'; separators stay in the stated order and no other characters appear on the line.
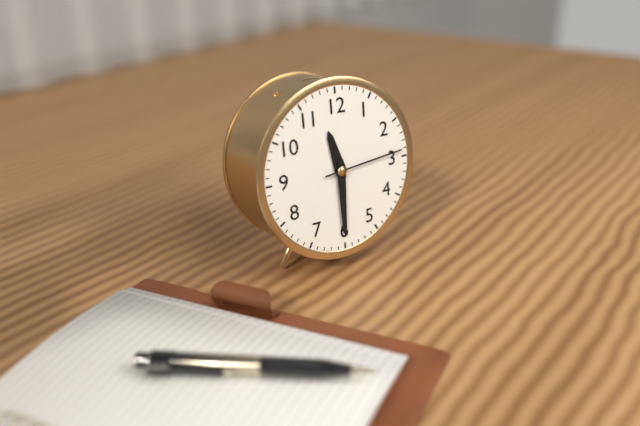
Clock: 11 h 30 min 14 s
